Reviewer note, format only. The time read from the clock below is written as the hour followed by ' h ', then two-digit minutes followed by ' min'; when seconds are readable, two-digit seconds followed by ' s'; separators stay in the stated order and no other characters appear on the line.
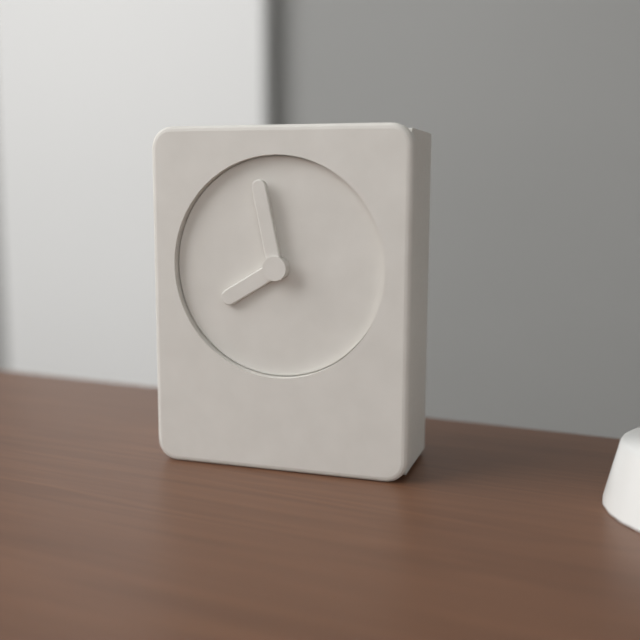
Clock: 7 h 58 min
